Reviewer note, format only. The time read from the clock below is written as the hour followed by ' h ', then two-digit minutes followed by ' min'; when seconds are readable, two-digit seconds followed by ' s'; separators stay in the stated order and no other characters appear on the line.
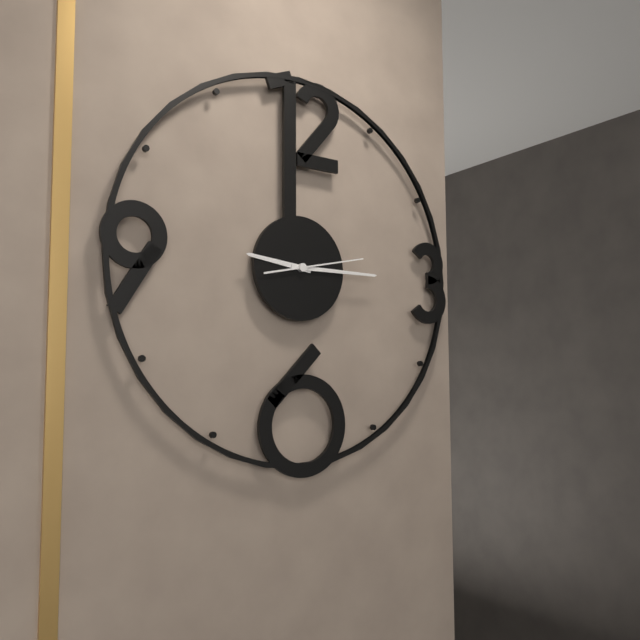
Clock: 9 h 15 min 13 s
